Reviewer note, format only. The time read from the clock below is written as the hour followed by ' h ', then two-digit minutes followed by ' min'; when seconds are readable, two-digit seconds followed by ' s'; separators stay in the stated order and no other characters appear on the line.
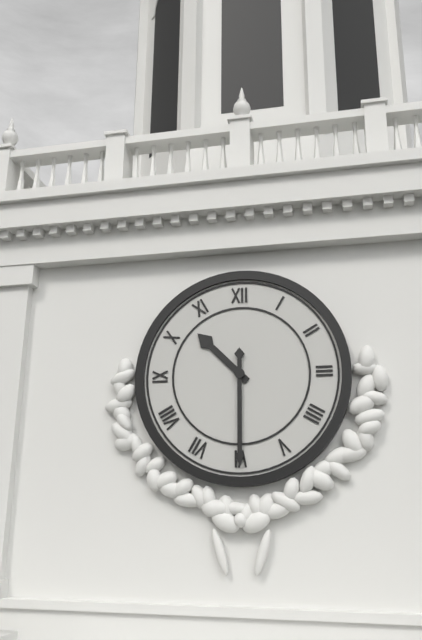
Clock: 10 h 30 min
